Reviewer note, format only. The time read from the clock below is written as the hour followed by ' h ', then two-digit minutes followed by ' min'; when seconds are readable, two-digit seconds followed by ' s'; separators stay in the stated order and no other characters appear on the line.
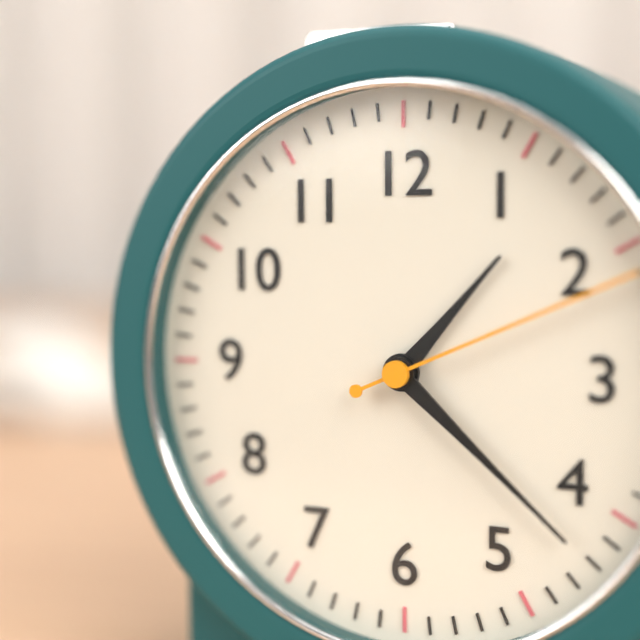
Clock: 1 h 22 min 11 s
